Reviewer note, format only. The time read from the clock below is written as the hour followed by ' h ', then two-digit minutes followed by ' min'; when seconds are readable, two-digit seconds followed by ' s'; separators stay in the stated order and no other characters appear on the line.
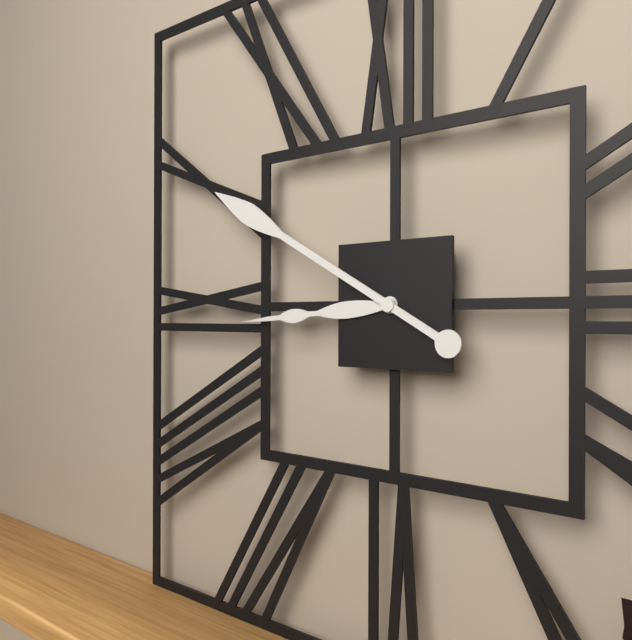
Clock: 8 h 50 min
